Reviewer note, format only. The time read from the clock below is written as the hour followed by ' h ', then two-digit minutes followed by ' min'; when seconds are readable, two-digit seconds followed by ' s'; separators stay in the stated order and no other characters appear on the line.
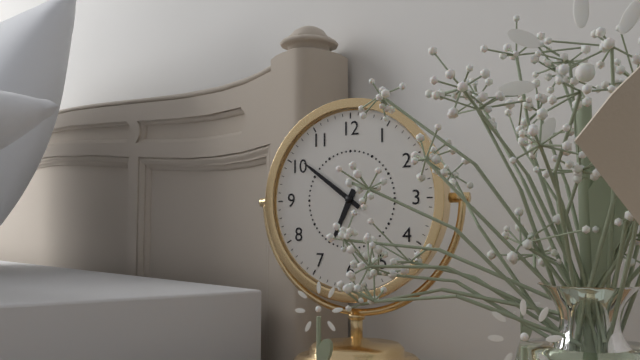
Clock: 6 h 51 min
